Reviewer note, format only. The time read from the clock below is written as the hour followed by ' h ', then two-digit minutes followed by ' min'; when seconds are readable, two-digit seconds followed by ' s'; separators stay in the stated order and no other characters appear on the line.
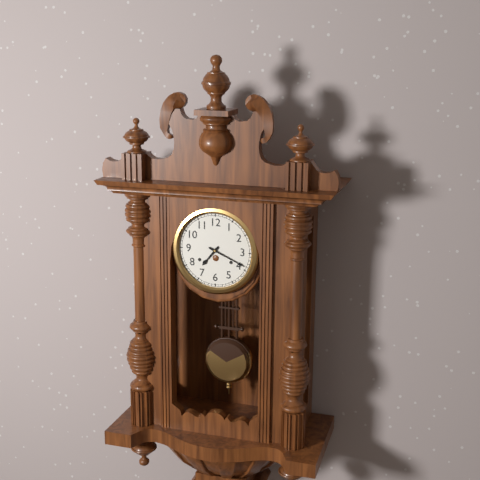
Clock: 7 h 19 min
